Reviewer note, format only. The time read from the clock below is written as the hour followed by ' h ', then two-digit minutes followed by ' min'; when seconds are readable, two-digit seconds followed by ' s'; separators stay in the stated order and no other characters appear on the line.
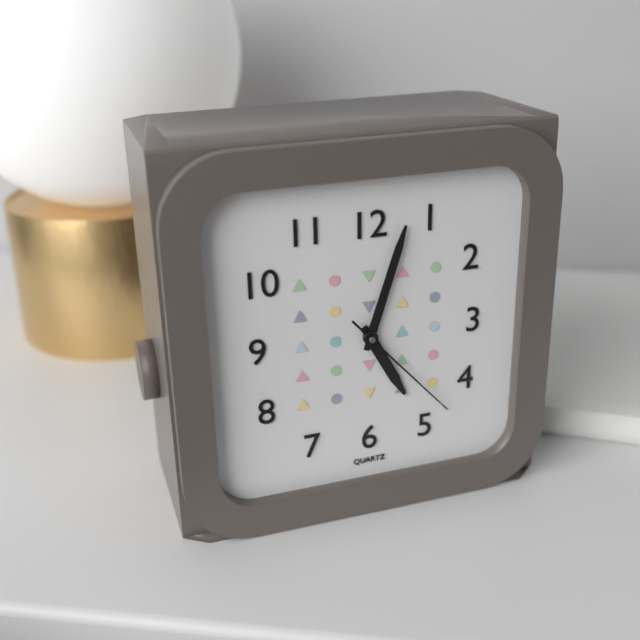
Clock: 5 h 03 min 23 s
